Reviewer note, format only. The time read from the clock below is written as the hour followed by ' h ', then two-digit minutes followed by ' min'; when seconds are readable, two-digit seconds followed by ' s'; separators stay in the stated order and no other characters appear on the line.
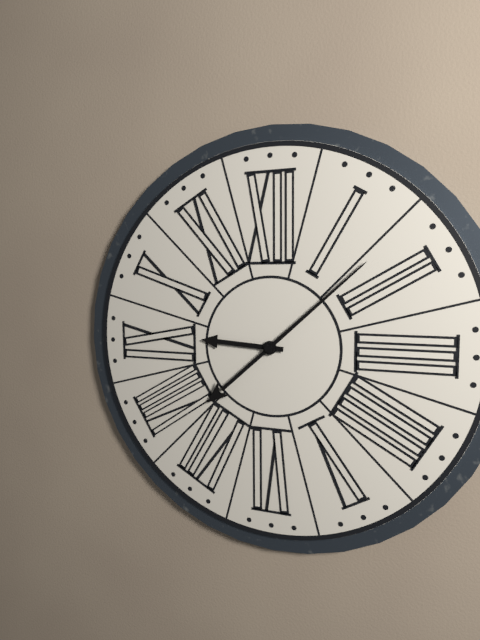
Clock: 9 h 08 min
